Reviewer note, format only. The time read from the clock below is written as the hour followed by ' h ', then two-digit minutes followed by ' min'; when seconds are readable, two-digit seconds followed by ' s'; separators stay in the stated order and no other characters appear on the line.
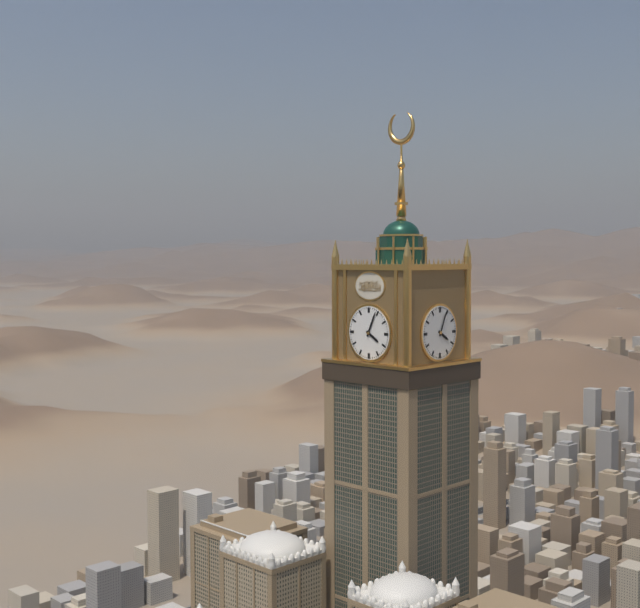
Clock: 4 h 04 min
